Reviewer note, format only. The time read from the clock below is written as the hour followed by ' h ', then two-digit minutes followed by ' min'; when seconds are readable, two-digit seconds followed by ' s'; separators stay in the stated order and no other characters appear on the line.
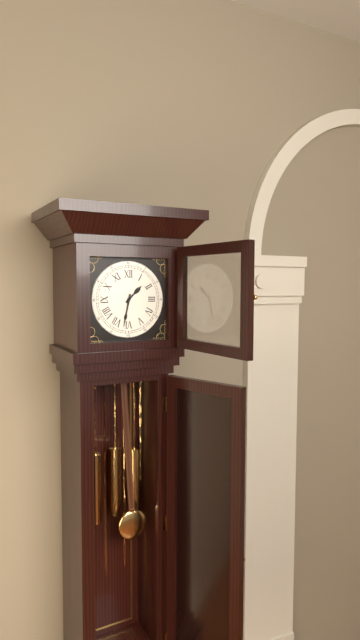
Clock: 1 h 32 min
